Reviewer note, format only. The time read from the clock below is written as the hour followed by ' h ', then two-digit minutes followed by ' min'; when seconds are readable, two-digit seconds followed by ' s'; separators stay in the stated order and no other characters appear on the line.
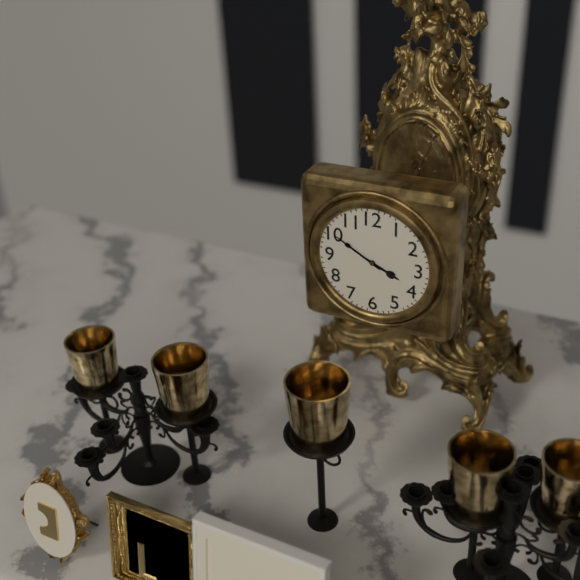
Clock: 3 h 50 min
